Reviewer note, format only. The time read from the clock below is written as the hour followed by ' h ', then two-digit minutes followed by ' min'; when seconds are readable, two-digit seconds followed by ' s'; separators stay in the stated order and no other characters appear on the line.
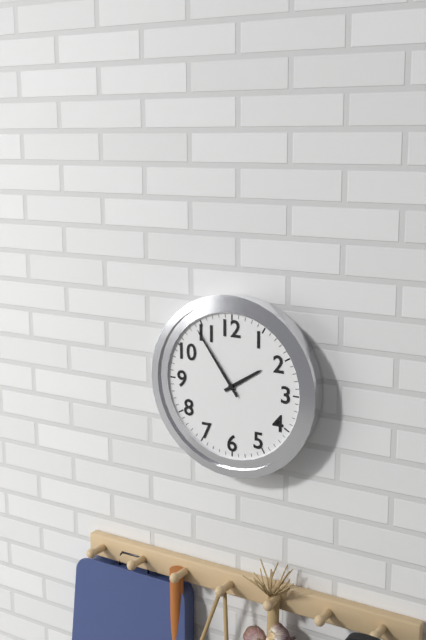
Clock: 1 h 54 min
